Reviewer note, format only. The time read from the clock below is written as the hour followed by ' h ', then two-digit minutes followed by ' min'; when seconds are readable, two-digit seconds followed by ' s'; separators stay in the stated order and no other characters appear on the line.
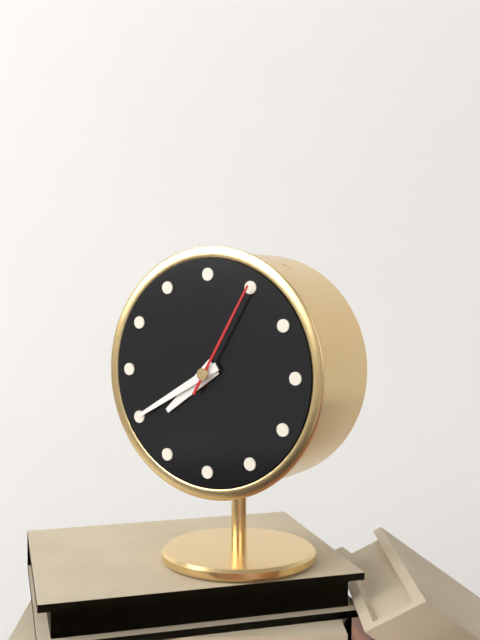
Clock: 7 h 40 min 05 s
